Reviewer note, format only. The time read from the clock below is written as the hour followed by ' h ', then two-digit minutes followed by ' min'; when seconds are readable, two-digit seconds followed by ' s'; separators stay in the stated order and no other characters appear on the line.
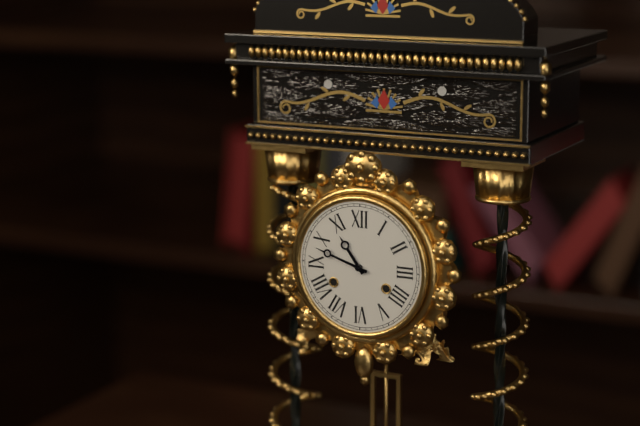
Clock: 10 h 48 min
